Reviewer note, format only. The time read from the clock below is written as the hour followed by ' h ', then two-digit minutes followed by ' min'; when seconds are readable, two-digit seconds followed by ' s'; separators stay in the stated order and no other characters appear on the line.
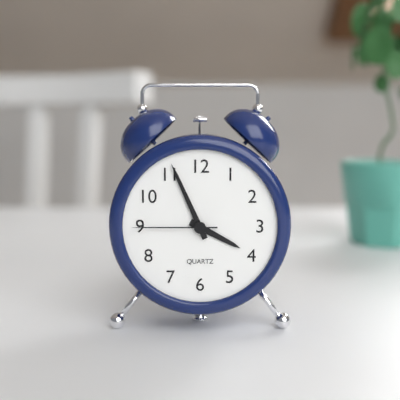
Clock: 3 h 56 min 45 s
